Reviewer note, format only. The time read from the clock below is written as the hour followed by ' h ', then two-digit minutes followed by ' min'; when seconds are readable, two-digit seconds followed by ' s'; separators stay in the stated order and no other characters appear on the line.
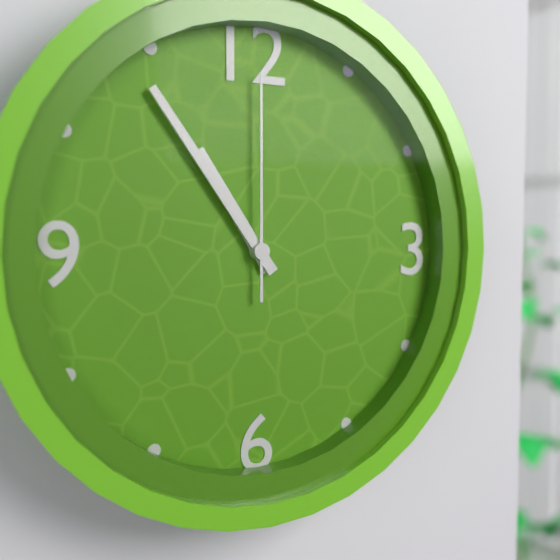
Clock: 10 h 54 min 00 s
